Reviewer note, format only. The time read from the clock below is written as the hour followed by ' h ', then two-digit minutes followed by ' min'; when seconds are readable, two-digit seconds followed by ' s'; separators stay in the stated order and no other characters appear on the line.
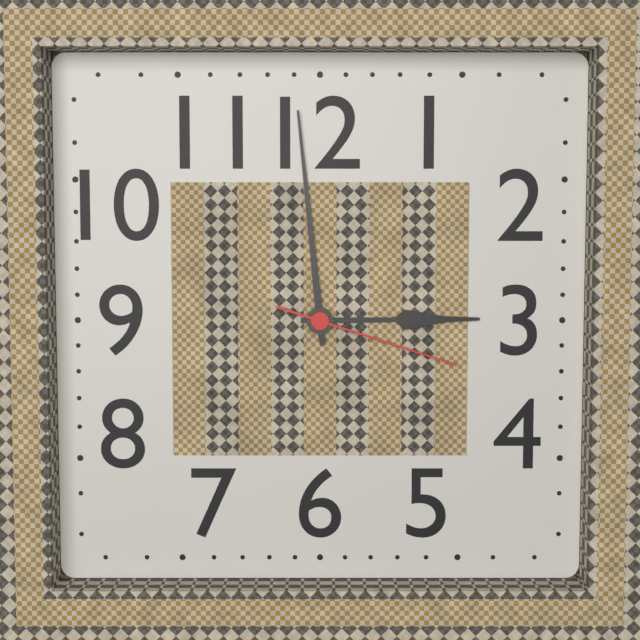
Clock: 2 h 59 min 18 s
